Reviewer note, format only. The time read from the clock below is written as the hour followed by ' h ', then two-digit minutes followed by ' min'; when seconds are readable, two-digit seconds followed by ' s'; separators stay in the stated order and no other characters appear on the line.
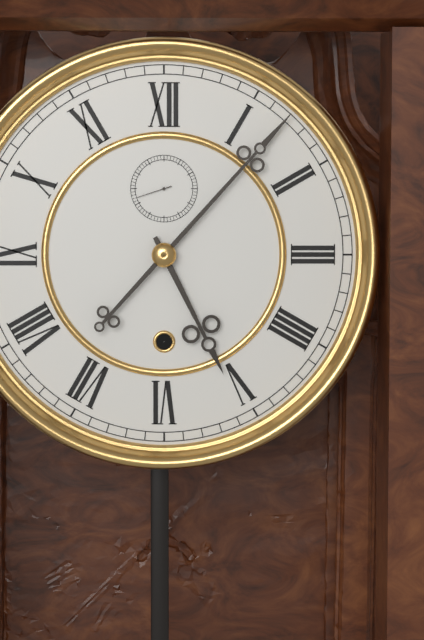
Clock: 5 h 07 min
